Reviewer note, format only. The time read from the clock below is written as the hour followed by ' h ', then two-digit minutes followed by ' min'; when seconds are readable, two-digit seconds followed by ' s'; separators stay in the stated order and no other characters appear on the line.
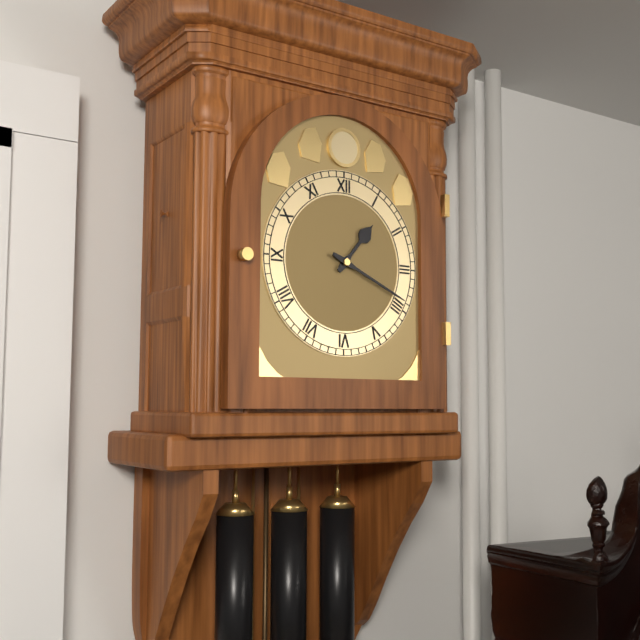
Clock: 1 h 19 min
